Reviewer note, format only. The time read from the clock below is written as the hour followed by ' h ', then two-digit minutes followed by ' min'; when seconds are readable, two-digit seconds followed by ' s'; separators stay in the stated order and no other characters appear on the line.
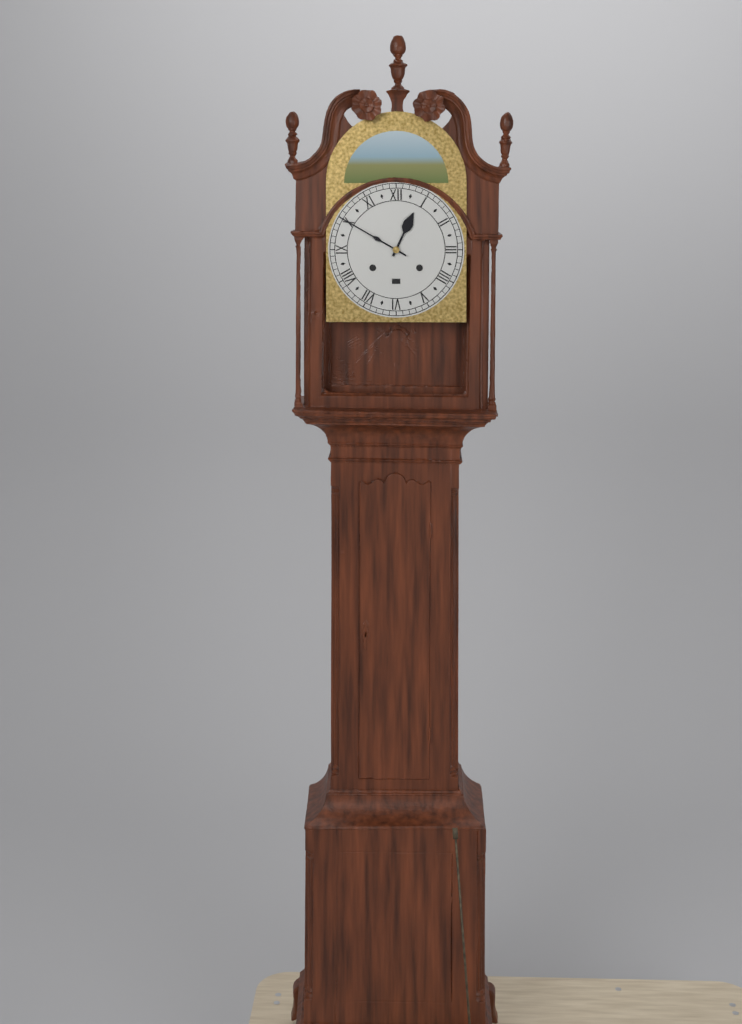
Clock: 12 h 50 min
